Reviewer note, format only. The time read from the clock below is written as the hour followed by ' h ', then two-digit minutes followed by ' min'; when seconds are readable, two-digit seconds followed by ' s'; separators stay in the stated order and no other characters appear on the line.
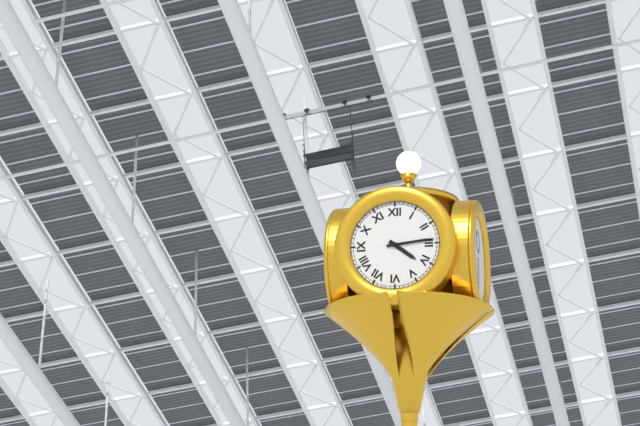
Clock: 4 h 14 min
